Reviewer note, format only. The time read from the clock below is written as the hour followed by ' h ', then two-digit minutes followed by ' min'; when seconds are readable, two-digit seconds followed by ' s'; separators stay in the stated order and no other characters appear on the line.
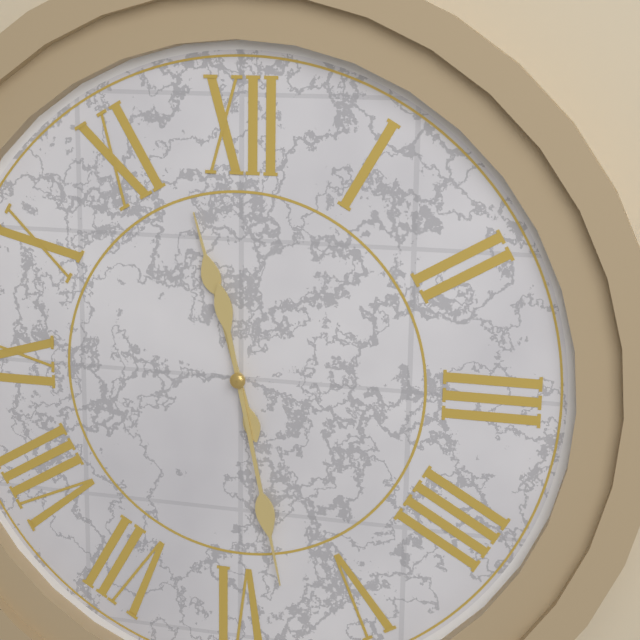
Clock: 11 h 28 min
